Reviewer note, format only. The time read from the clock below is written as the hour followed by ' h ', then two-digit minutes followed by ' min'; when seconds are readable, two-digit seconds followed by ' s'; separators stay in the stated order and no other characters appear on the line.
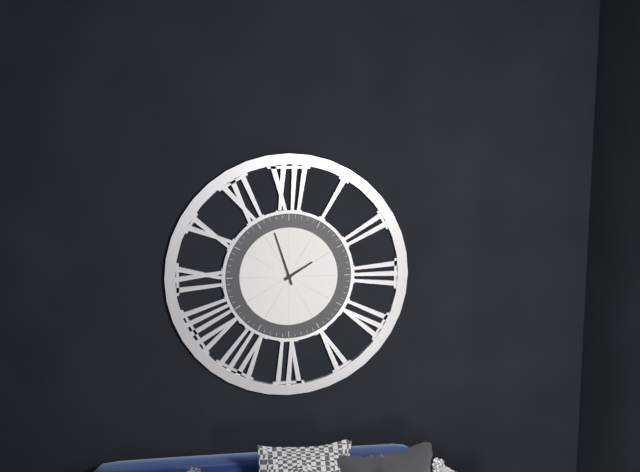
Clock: 1 h 57 min
